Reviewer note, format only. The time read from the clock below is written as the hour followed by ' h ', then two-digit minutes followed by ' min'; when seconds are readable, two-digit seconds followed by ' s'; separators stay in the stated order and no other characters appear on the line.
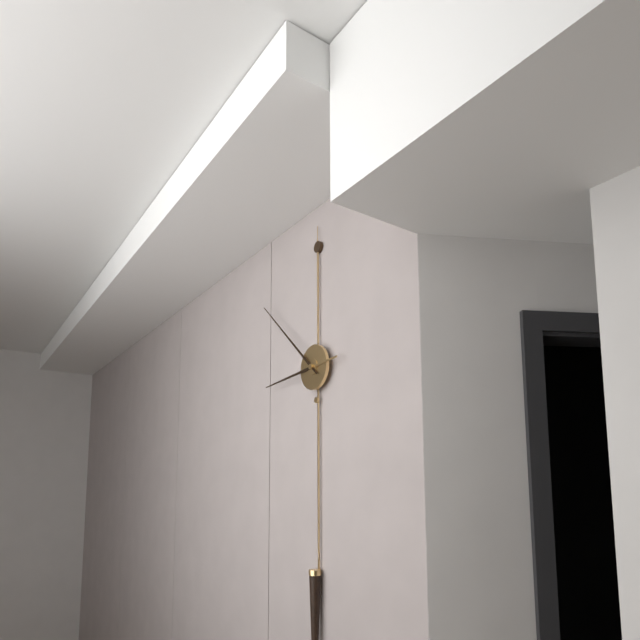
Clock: 8 h 52 min
